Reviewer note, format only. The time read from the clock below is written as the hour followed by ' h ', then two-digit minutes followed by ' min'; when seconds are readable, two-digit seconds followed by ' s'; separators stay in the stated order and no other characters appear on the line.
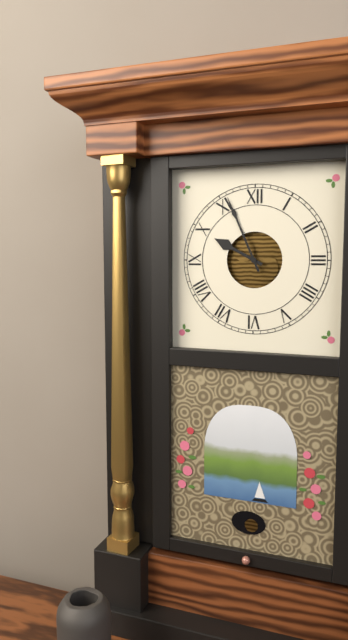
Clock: 9 h 56 min
